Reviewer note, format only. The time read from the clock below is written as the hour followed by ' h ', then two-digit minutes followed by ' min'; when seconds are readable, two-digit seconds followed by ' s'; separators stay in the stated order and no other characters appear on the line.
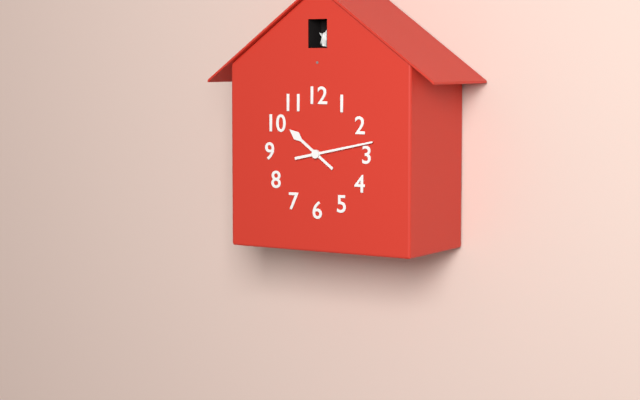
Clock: 10 h 13 min
